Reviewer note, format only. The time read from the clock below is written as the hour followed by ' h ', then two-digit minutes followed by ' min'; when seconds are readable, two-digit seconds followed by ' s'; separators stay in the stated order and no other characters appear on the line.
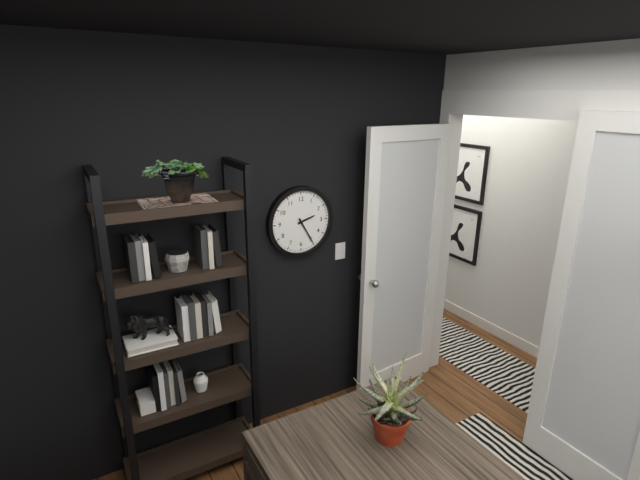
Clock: 2 h 25 min
